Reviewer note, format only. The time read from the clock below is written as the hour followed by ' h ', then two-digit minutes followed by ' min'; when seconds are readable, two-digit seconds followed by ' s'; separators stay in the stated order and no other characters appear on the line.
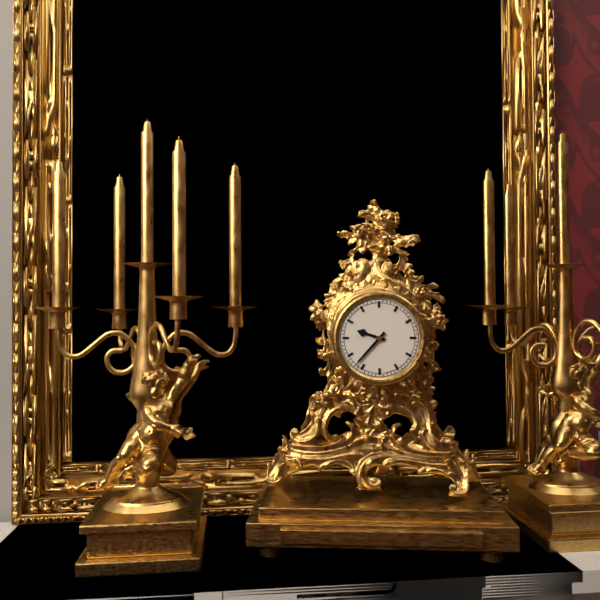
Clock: 9 h 37 min
